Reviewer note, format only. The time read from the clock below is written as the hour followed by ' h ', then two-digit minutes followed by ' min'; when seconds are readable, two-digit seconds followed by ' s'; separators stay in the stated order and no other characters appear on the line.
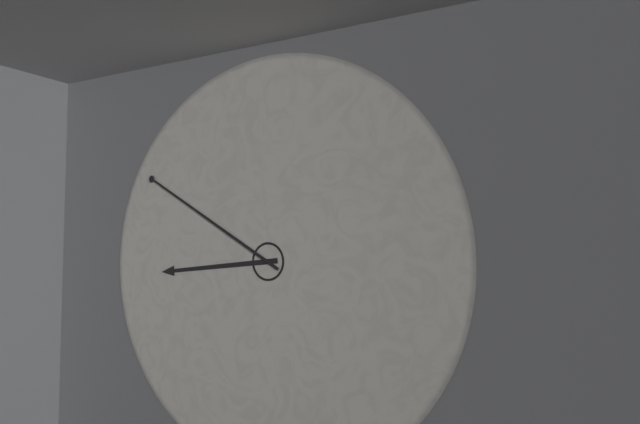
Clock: 8 h 50 min
